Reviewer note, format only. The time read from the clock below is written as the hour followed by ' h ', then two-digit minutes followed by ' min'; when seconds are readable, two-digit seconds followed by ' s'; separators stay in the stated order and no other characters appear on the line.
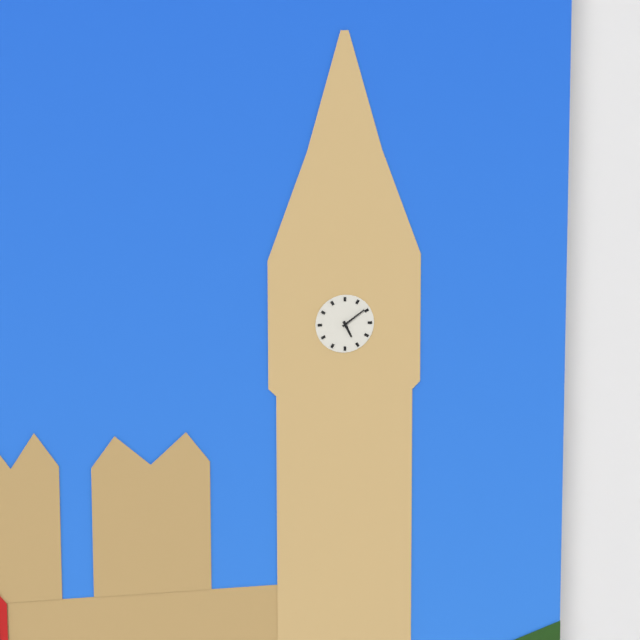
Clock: 5 h 09 min
